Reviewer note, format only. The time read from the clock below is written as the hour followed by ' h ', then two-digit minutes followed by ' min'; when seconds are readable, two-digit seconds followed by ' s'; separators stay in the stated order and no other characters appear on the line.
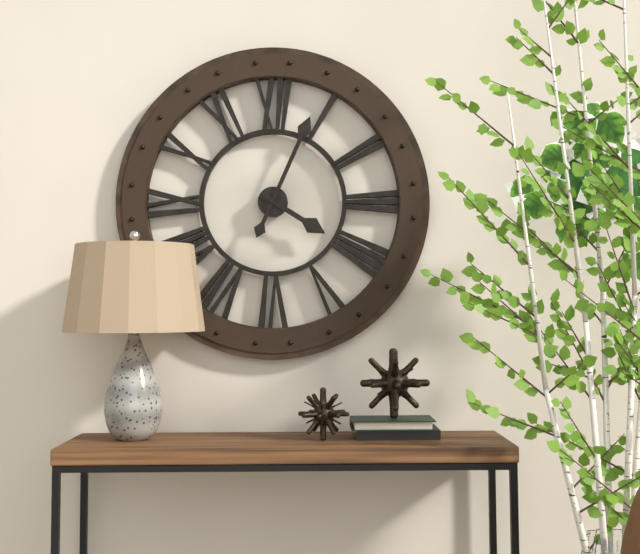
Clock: 4 h 04 min
